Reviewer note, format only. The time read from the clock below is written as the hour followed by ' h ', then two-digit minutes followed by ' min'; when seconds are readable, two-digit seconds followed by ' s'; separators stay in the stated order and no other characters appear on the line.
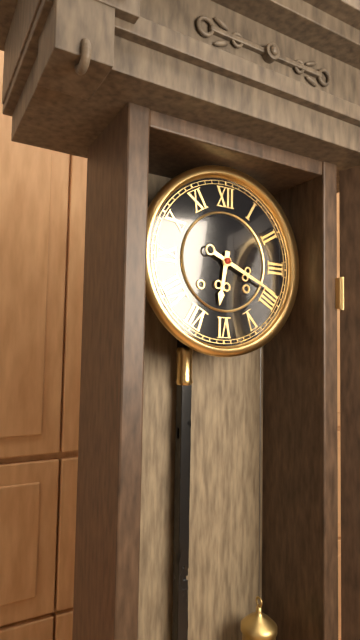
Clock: 6 h 19 min
